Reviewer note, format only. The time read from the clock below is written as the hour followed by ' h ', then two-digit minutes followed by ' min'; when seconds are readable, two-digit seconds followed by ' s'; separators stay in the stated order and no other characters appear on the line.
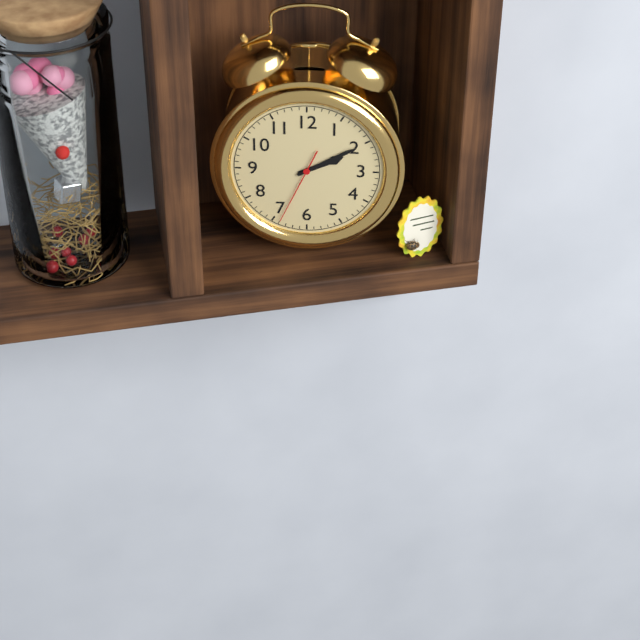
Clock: 2 h 10 min 34 s
